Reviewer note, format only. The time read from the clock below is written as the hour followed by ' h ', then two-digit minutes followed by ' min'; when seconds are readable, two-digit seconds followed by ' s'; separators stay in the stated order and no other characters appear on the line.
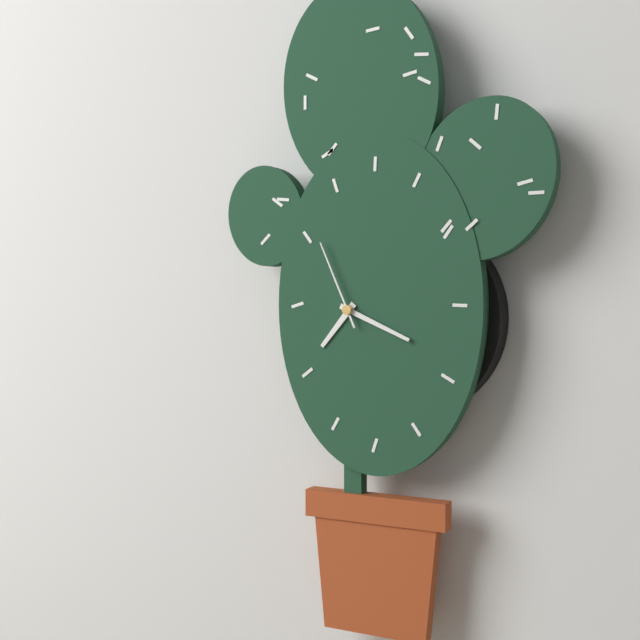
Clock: 7 h 19 min 56 s
